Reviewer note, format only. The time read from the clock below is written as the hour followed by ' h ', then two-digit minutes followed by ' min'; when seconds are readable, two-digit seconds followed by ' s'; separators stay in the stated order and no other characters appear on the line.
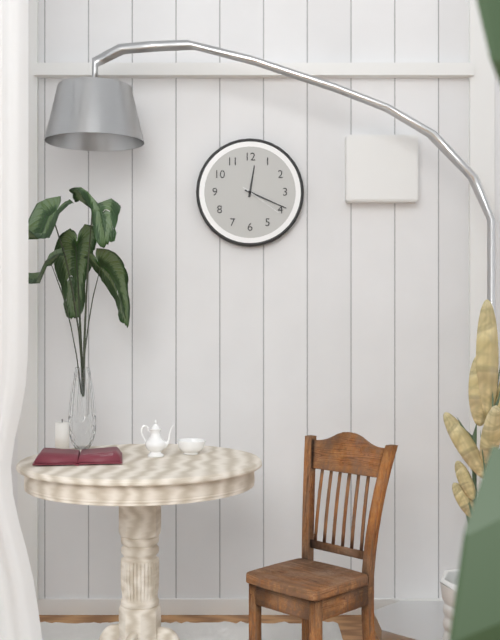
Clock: 12 h 19 min
